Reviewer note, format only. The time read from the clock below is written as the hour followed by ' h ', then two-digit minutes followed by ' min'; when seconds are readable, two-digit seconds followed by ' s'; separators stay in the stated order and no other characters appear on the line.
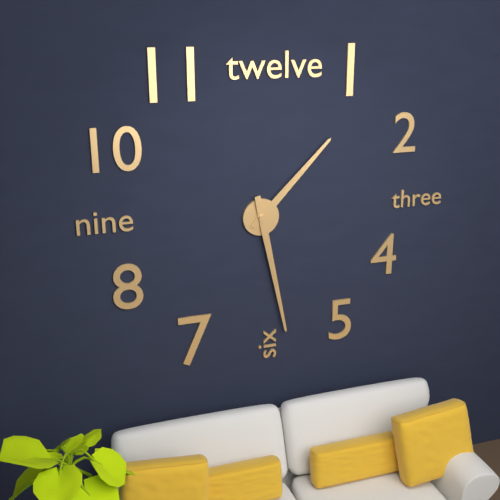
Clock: 1 h 28 min
